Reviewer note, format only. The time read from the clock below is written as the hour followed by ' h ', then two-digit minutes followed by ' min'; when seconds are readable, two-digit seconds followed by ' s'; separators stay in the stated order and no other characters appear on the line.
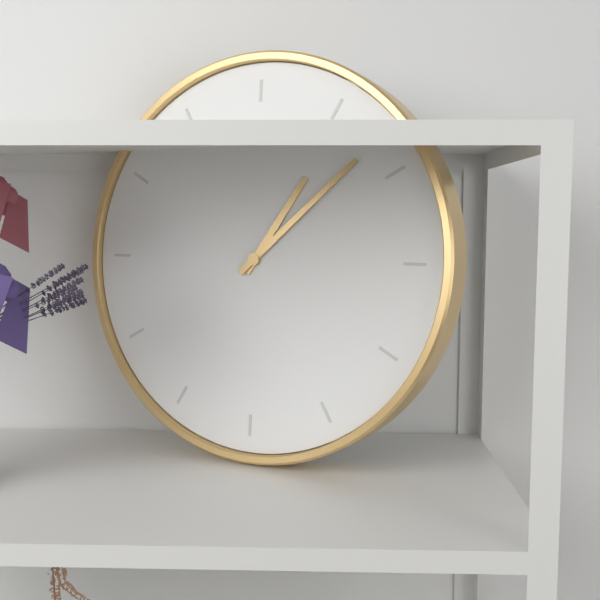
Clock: 1 h 08 min
